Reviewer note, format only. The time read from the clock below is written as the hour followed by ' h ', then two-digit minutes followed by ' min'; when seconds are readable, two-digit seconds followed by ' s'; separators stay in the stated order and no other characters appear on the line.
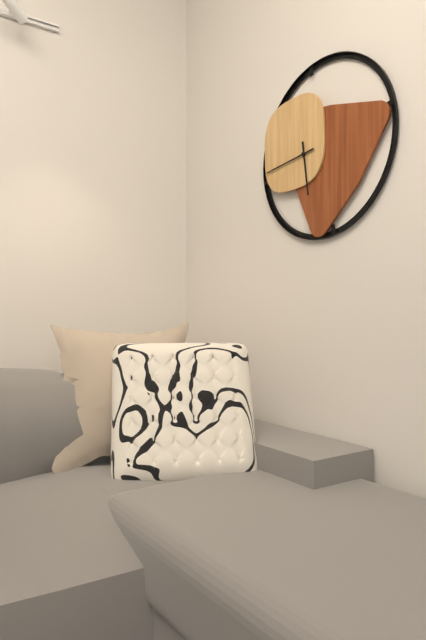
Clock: 5 h 44 min
